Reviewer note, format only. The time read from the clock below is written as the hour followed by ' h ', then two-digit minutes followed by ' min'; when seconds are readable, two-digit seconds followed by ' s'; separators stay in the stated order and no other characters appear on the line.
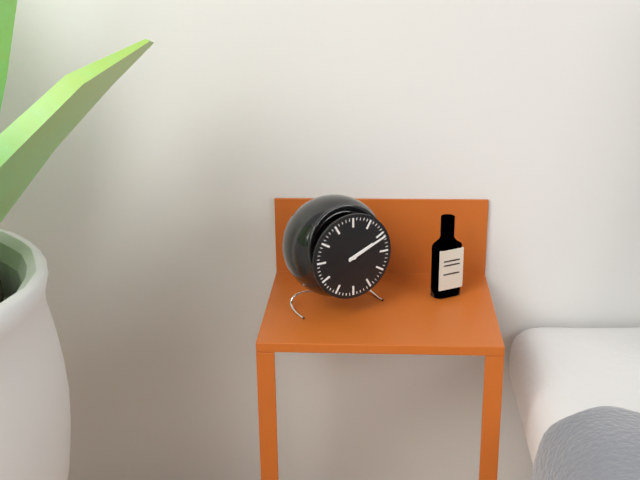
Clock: 2 h 11 min
